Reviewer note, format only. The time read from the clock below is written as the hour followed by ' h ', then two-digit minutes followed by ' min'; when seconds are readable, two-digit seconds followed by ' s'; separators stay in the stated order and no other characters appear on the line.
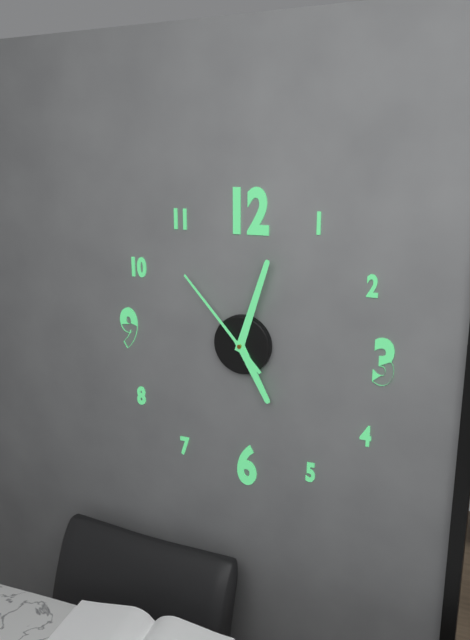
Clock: 5 h 03 min 53 s
